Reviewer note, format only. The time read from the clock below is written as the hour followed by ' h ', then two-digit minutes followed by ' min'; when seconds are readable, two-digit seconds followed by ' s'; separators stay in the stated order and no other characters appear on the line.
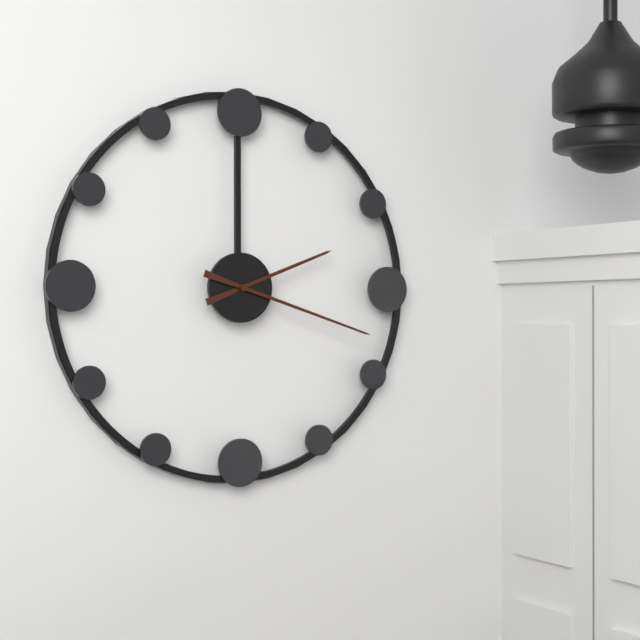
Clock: 2 h 18 min
